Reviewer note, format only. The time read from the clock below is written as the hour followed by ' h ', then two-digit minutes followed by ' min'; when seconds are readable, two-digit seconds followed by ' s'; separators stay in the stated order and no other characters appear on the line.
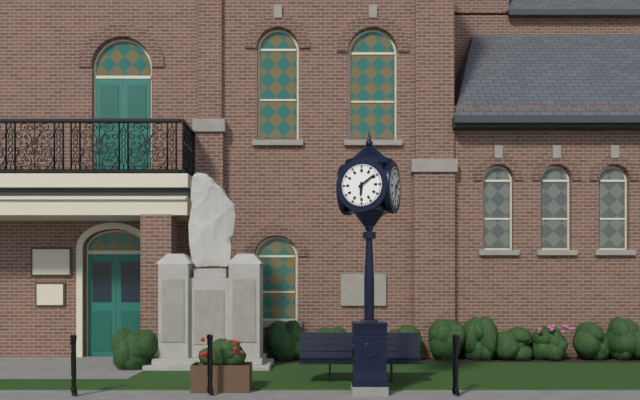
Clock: 6 h 09 min
